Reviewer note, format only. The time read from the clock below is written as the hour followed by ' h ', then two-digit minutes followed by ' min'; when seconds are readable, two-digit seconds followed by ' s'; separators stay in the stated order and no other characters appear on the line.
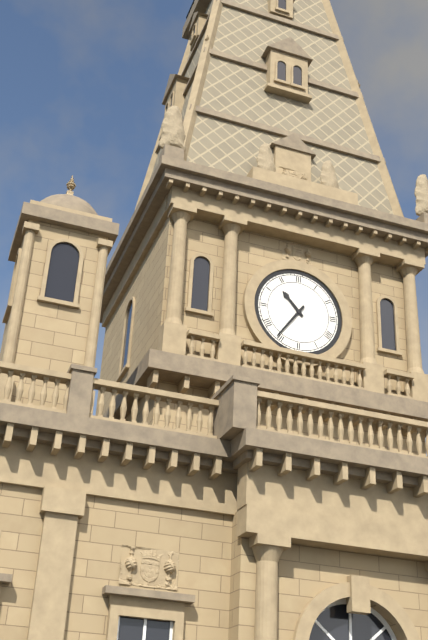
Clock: 10 h 36 min
